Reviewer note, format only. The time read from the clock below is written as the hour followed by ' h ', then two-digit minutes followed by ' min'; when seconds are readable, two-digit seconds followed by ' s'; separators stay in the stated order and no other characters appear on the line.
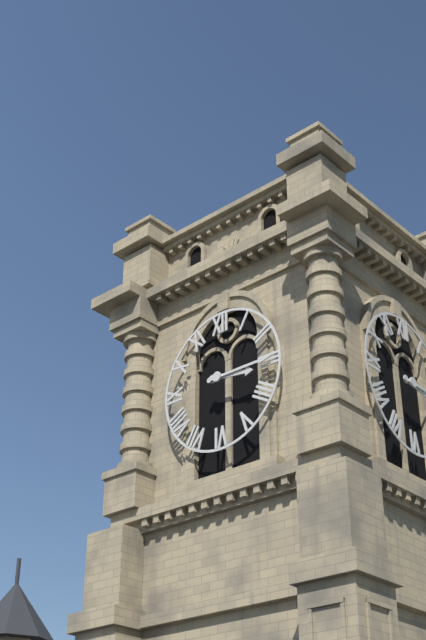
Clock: 3 h 15 min
